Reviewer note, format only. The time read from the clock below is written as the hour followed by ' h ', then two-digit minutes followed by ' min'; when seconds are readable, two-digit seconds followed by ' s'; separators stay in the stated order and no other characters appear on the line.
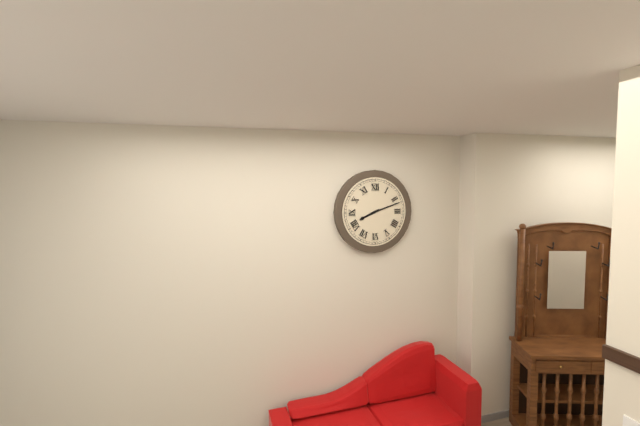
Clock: 8 h 12 min
